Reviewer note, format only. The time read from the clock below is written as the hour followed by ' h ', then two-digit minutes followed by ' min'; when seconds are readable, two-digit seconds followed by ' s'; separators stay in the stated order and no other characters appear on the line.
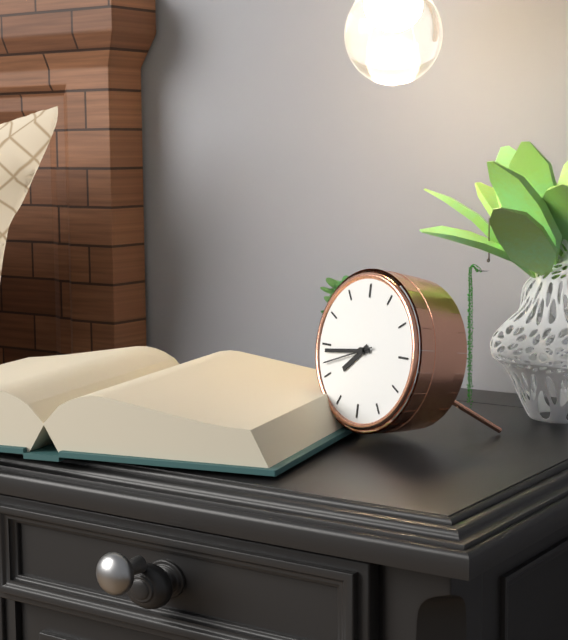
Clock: 7 h 44 min
